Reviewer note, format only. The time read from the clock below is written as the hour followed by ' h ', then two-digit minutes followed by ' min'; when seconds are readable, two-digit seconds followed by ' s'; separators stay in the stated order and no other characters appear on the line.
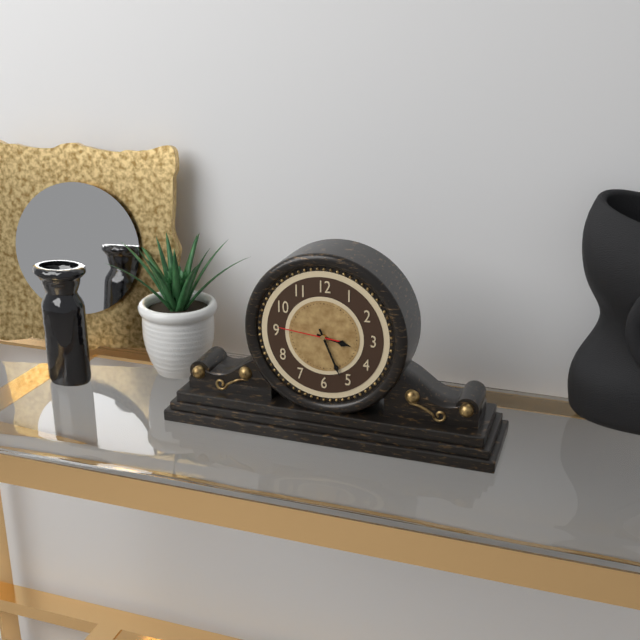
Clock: 3 h 26 min 46 s
